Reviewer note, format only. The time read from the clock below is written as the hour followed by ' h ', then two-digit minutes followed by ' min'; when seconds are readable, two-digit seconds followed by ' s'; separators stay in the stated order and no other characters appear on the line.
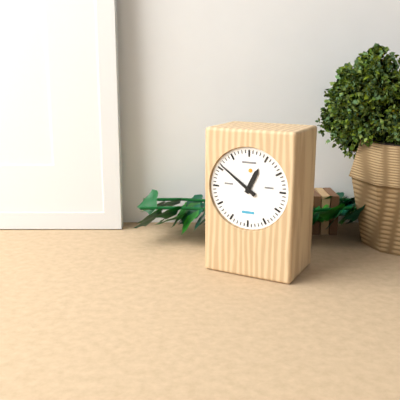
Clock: 12 h 51 min
